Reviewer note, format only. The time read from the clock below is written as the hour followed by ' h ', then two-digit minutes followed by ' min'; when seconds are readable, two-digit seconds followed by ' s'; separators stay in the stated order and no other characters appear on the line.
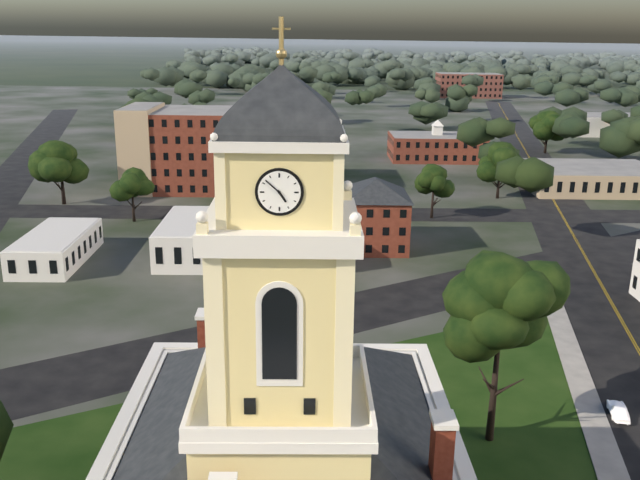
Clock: 4 h 52 min
